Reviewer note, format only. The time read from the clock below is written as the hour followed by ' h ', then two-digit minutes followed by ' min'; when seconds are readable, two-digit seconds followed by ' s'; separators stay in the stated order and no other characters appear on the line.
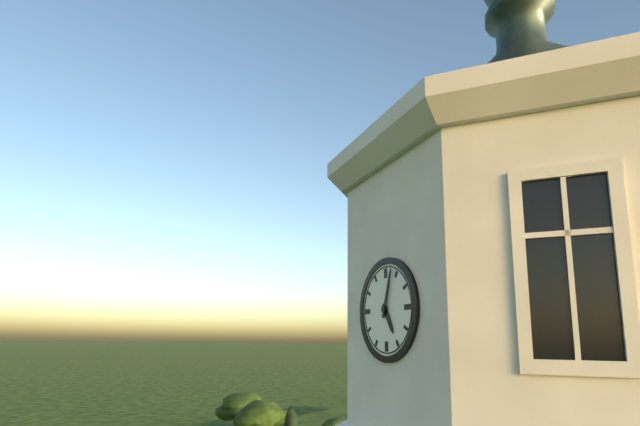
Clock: 5 h 03 min
